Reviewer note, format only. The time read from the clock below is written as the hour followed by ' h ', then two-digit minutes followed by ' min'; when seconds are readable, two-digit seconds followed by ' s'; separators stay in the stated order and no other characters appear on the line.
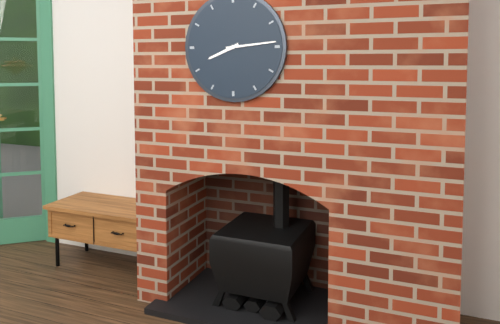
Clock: 8 h 14 min
